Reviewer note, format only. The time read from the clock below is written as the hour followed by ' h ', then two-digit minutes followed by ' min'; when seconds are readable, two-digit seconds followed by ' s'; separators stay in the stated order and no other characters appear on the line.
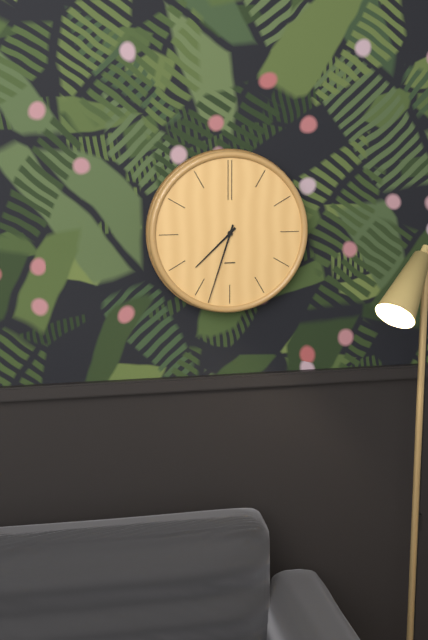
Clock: 7 h 33 min
